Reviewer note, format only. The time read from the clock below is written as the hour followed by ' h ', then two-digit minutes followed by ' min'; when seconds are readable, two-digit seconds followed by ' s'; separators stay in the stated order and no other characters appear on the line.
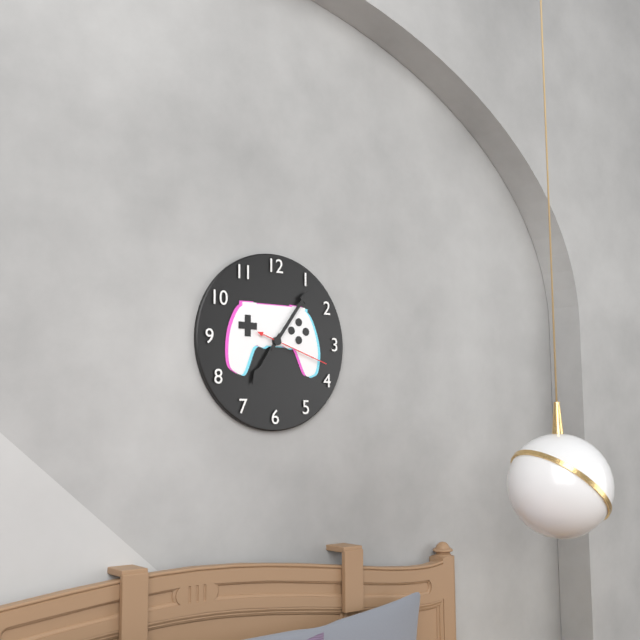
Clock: 7 h 06 min 18 s
